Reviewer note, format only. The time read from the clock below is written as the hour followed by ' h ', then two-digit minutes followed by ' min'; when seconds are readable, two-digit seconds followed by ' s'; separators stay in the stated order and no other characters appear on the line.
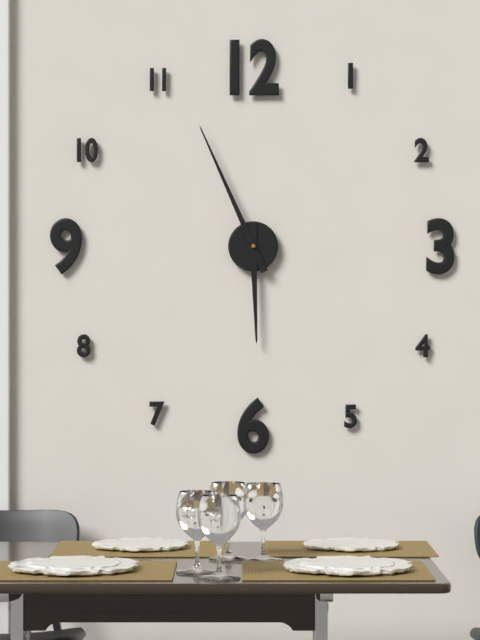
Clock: 5 h 56 min
